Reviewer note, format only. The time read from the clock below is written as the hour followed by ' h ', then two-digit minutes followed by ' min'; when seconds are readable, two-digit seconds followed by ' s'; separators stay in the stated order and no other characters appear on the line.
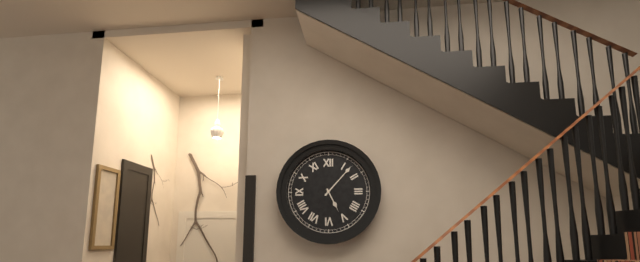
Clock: 5 h 07 min
